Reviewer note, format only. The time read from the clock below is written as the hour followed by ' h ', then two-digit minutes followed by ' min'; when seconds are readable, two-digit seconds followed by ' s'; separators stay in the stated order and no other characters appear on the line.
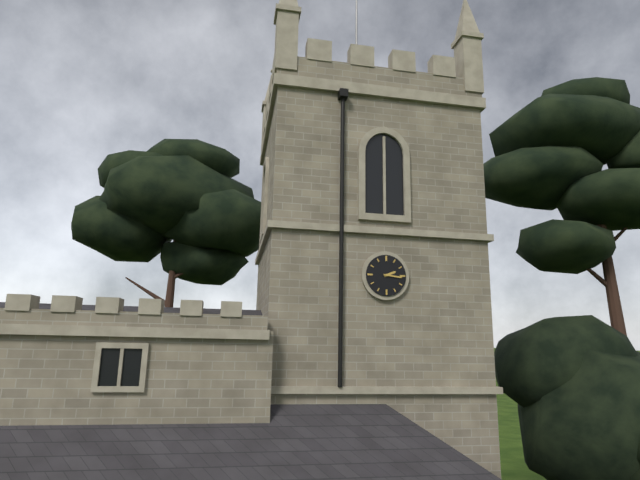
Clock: 2 h 16 min
